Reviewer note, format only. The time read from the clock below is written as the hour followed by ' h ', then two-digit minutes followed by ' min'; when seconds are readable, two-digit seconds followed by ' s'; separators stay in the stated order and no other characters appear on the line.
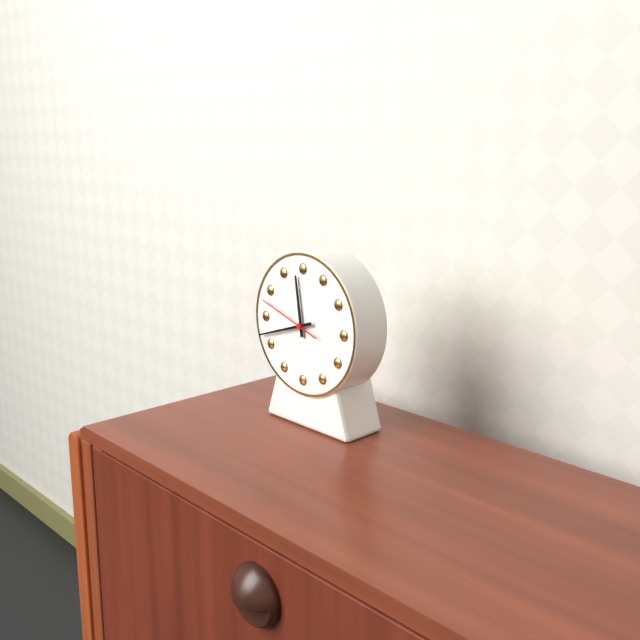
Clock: 11 h 42 min 48 s
